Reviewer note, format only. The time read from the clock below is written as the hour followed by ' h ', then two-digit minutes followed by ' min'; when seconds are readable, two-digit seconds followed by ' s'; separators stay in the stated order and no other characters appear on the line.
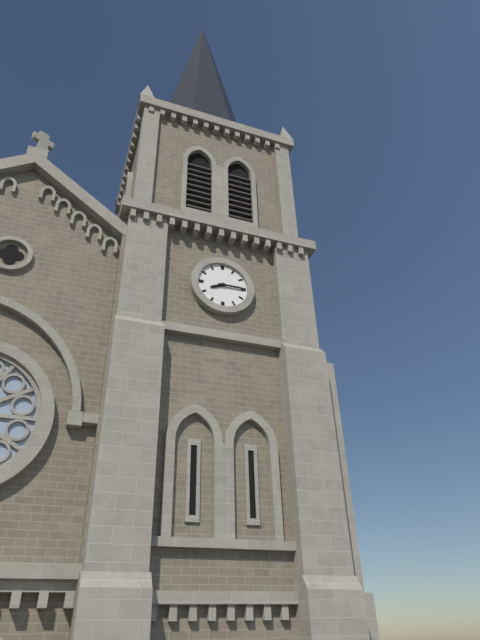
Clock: 8 h 15 min
